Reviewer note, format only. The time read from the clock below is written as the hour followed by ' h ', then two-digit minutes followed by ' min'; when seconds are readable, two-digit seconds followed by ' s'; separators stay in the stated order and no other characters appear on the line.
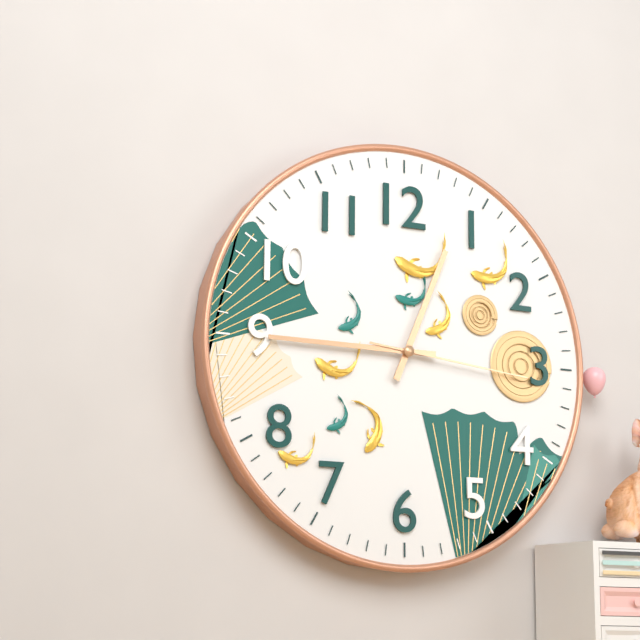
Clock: 12 h 45 min 16 s
